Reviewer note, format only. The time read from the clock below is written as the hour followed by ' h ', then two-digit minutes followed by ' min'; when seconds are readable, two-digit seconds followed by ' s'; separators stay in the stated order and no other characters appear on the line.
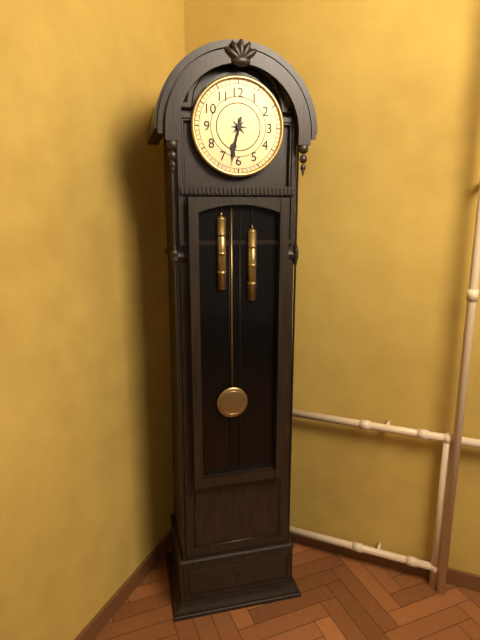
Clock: 6 h 32 min
